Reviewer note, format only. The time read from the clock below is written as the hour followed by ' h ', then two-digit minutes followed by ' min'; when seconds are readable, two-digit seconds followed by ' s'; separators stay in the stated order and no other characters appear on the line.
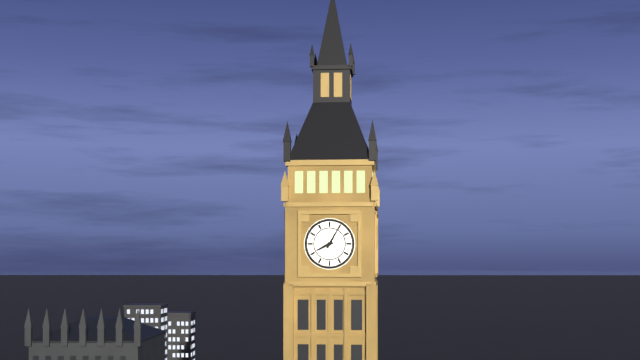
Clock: 8 h 05 min
